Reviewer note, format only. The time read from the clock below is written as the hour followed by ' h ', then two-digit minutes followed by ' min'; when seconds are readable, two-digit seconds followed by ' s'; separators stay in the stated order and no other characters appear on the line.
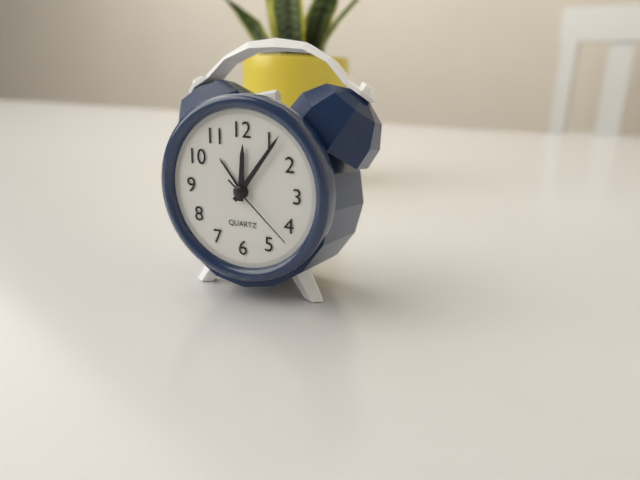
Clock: 12 h 06 min 22 s
